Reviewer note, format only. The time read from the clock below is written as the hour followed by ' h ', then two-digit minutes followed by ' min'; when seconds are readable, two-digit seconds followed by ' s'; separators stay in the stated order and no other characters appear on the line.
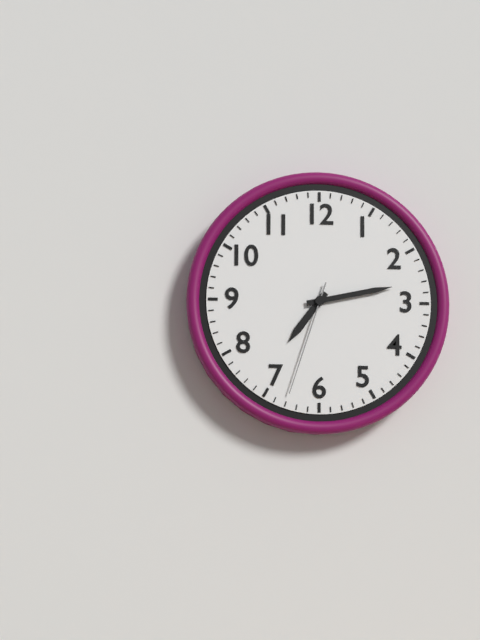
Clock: 7 h 13 min 33 s
